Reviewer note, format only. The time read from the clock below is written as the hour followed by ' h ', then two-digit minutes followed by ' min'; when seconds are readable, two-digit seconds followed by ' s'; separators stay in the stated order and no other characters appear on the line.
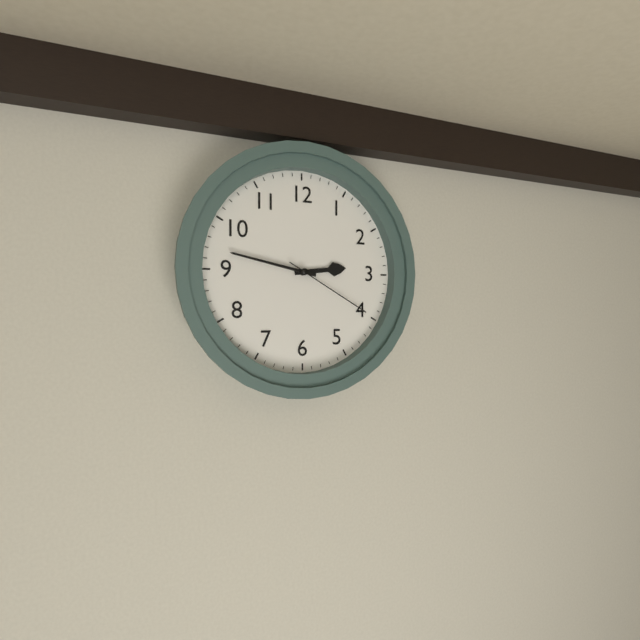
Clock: 2 h 47 min 20 s
